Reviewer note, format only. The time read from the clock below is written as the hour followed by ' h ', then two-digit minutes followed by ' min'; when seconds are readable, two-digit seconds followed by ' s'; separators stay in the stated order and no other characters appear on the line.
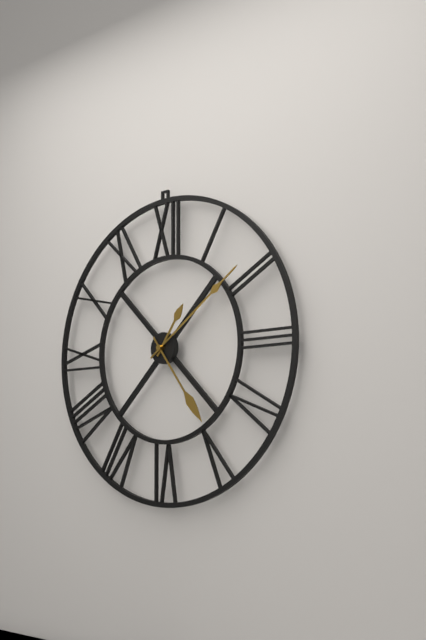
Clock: 1 h 09 min 24 s
